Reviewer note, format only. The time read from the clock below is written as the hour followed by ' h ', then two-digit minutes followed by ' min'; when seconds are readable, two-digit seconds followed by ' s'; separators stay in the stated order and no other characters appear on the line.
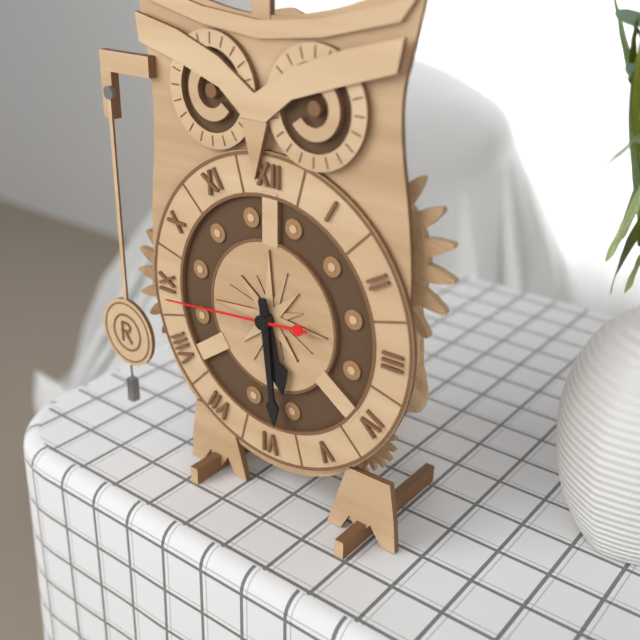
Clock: 5 h 29 min 44 s
